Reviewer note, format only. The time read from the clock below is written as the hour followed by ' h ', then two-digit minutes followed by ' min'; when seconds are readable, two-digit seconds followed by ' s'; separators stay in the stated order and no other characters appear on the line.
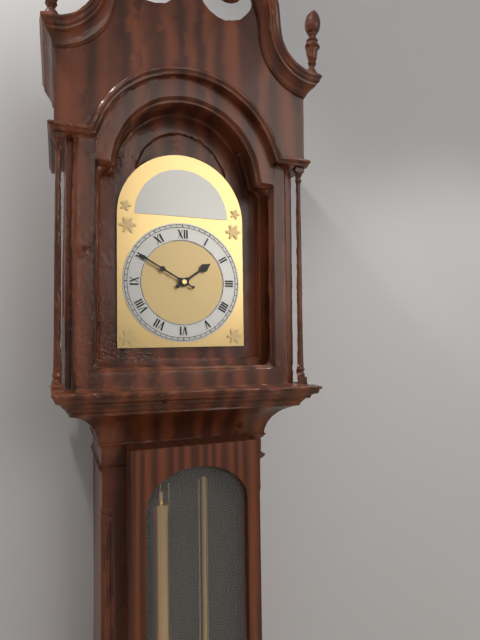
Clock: 1 h 50 min
